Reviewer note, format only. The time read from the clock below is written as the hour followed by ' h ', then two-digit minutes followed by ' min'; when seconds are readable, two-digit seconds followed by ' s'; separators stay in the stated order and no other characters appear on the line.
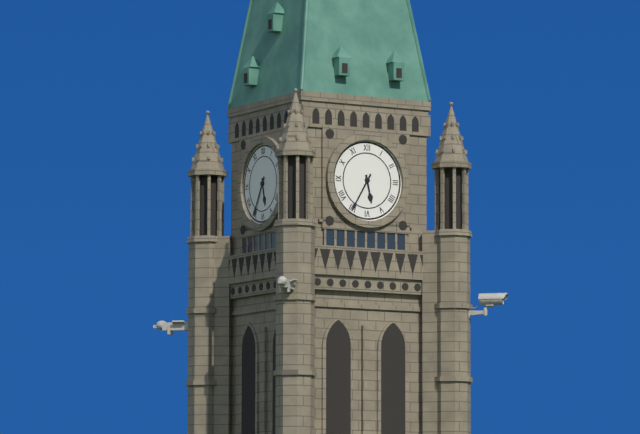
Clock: 5 h 35 min
